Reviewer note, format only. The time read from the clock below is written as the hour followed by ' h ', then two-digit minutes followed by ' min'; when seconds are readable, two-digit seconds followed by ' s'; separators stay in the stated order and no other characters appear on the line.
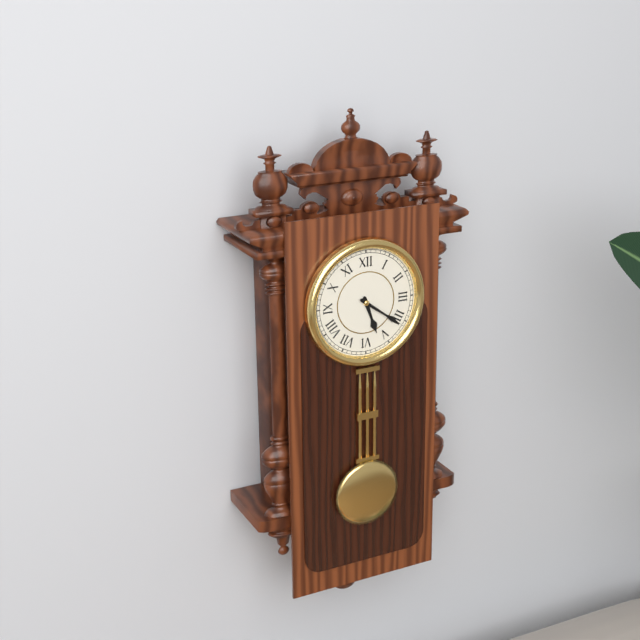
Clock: 5 h 21 min
